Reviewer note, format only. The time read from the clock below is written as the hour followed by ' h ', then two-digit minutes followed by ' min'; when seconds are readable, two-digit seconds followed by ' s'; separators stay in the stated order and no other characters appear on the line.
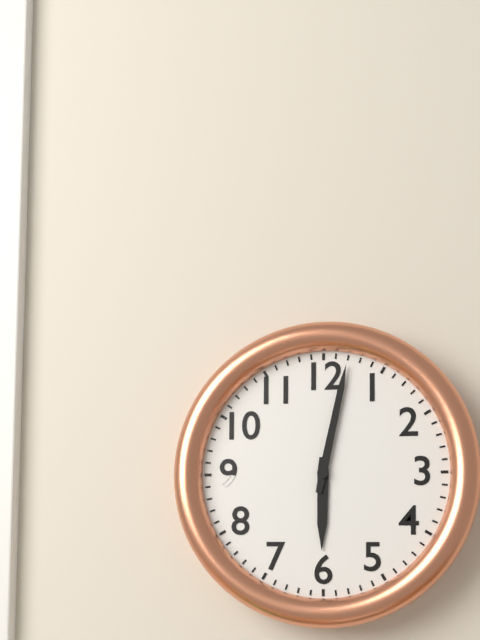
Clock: 6 h 02 min
